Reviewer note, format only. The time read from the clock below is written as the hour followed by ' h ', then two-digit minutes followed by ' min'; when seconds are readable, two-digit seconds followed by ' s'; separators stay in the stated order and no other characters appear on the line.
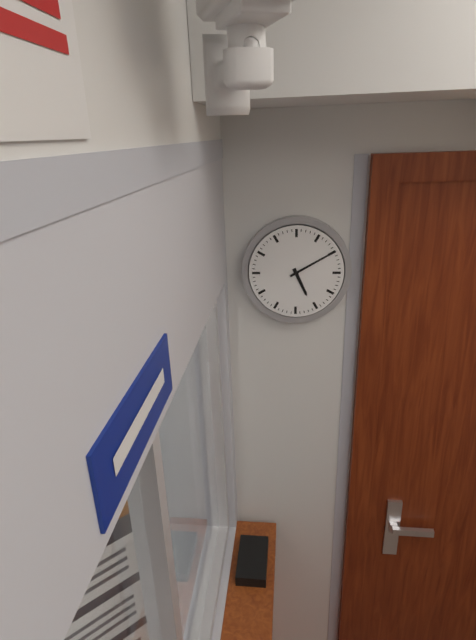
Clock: 5 h 10 min
